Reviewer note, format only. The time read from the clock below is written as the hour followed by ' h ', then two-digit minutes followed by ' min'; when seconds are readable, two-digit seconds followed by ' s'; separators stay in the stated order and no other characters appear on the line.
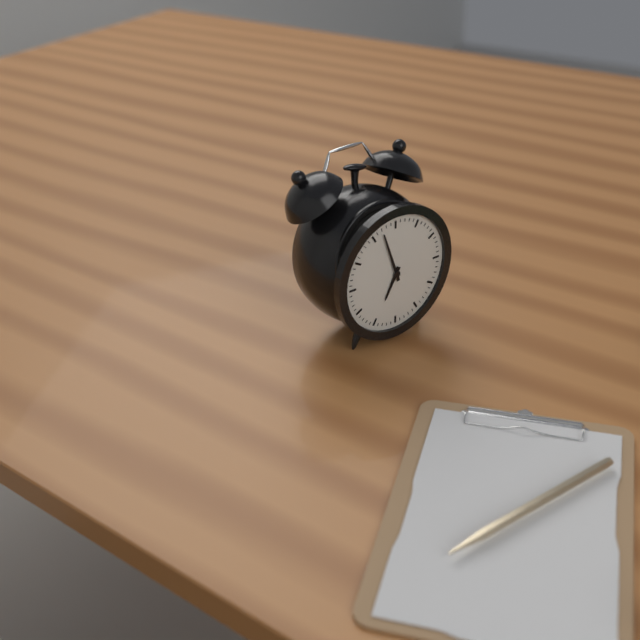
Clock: 6 h 57 min
